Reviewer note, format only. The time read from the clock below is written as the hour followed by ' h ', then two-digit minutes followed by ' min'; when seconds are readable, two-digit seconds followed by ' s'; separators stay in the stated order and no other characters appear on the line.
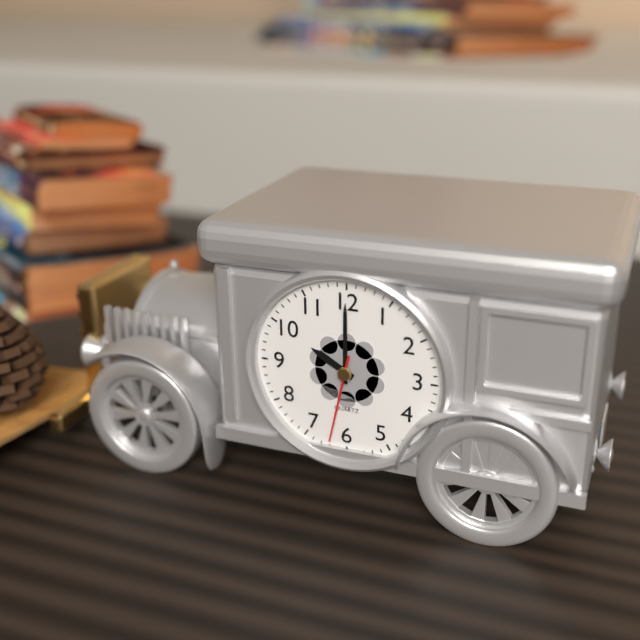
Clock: 10 h 00 min 32 s
